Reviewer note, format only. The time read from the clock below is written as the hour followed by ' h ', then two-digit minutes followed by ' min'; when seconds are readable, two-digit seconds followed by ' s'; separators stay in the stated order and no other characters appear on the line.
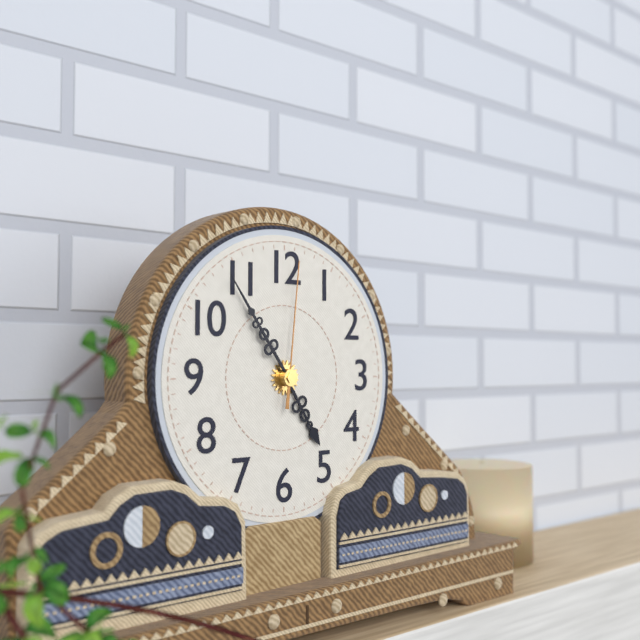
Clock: 4 h 54 min 01 s
